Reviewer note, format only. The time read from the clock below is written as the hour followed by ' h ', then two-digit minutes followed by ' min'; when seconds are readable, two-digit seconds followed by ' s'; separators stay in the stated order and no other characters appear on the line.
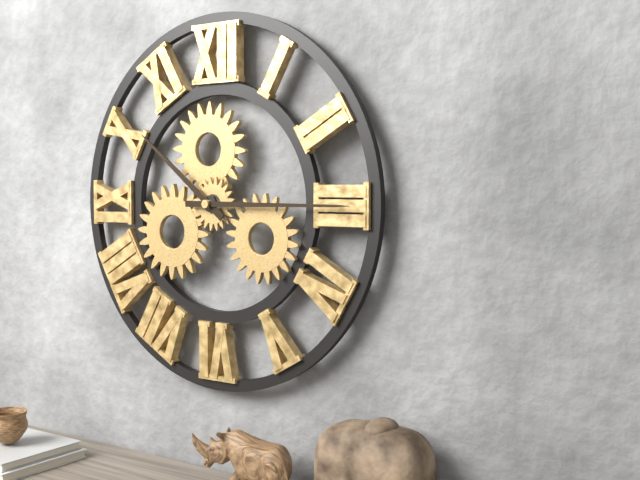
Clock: 10 h 15 min
